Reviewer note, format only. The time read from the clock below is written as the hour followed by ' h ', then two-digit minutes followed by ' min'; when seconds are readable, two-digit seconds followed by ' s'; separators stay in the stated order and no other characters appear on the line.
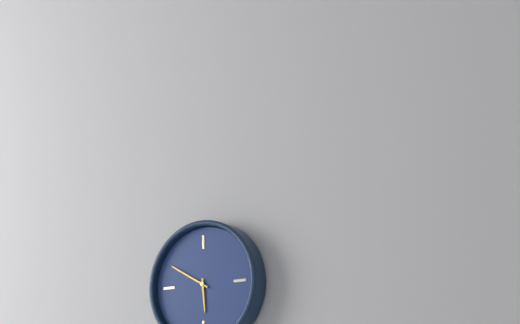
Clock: 5 h 50 min
